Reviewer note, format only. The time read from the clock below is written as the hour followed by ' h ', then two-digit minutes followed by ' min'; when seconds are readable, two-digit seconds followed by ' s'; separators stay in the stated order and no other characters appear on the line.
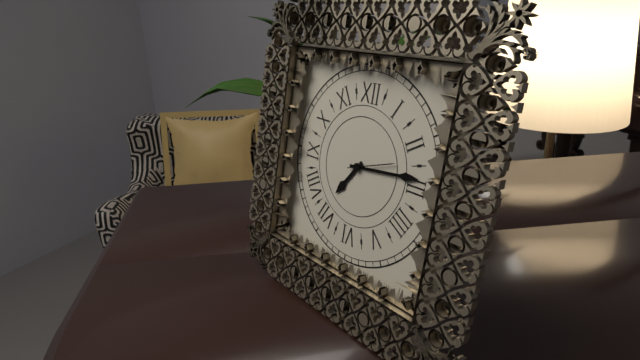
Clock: 7 h 14 min
